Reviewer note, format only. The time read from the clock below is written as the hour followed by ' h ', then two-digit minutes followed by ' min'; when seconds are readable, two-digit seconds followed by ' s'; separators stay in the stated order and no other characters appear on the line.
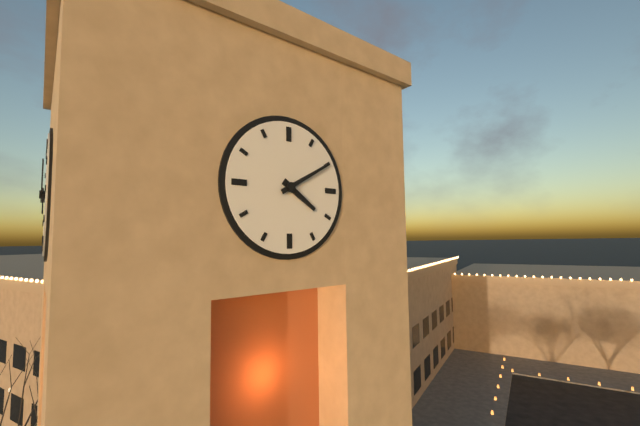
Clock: 4 h 10 min
